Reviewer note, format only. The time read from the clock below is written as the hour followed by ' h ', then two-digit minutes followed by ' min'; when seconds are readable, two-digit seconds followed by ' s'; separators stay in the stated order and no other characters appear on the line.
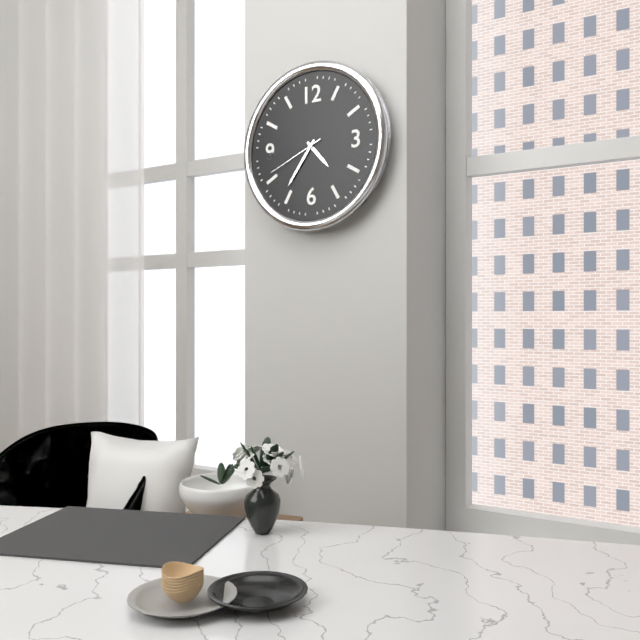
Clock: 4 h 36 min 41 s
